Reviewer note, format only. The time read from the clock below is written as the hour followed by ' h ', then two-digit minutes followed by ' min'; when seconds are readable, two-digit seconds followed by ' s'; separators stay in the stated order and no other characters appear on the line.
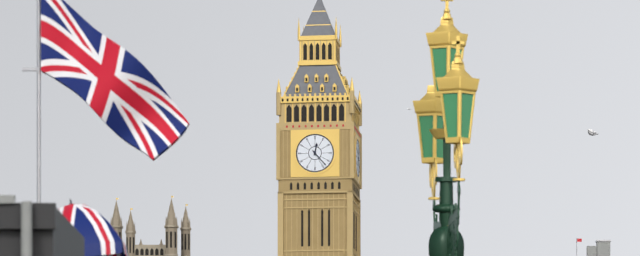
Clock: 12 h 23 min
